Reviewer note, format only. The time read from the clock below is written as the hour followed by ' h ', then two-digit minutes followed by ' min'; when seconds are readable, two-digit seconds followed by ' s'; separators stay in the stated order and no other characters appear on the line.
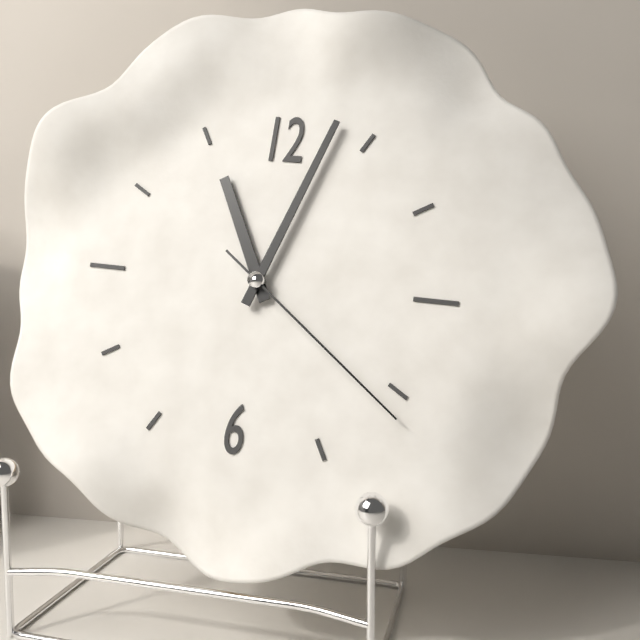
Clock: 11 h 03 min 21 s
